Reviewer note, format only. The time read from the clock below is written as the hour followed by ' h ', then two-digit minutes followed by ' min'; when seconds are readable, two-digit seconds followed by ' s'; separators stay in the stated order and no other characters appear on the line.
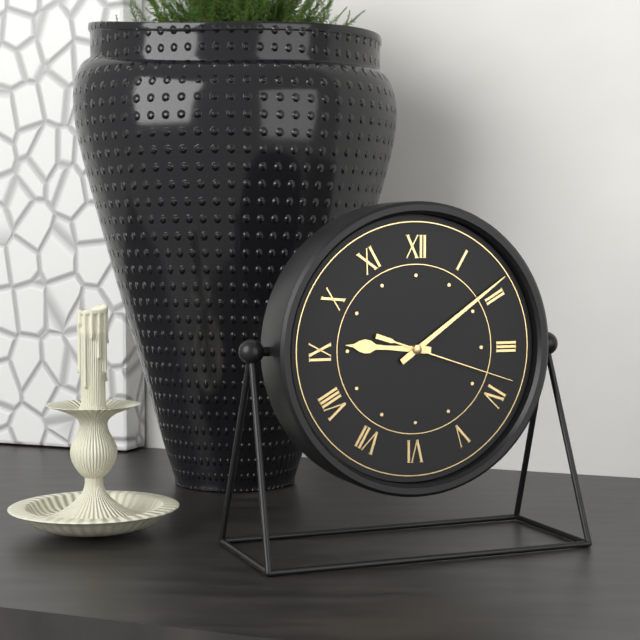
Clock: 9 h 09 min 18 s
